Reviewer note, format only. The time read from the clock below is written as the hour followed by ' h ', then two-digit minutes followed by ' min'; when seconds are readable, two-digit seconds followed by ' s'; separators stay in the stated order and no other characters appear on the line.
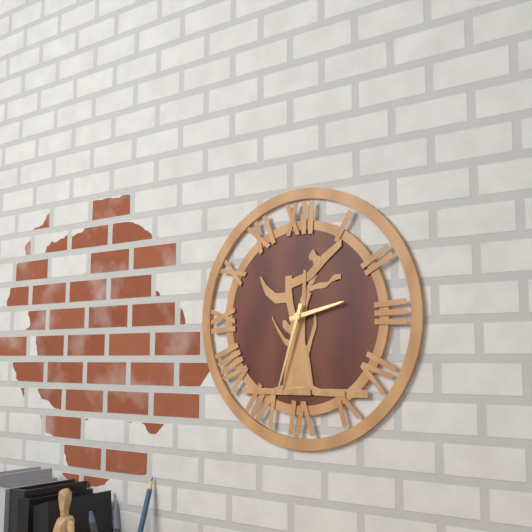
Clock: 2 h 33 min
